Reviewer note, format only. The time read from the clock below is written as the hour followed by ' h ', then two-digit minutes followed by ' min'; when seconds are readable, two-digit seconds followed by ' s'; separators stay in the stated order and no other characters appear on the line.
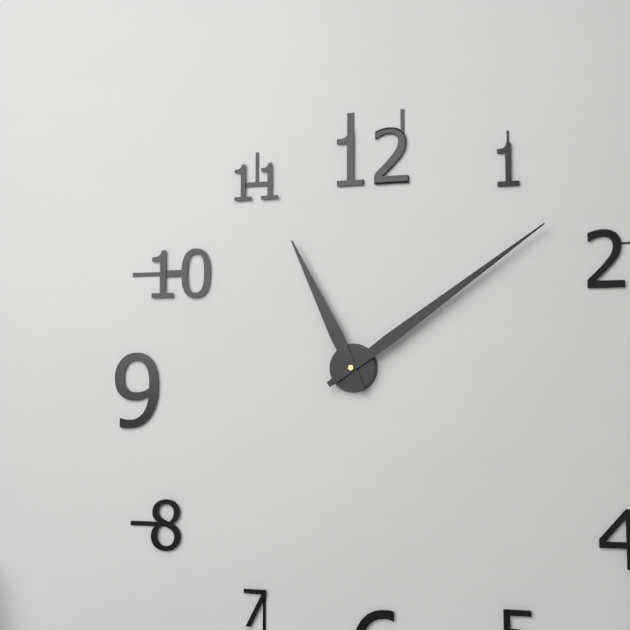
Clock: 11 h 09 min
